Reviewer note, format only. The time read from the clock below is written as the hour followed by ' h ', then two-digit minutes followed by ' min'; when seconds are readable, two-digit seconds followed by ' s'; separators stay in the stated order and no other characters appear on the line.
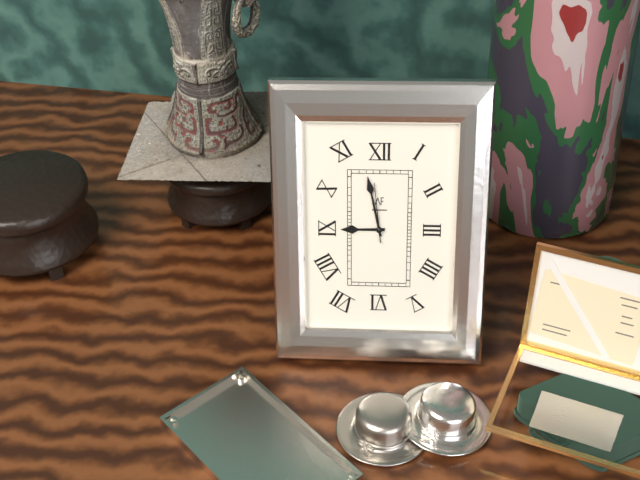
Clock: 8 h 58 min 59 s
